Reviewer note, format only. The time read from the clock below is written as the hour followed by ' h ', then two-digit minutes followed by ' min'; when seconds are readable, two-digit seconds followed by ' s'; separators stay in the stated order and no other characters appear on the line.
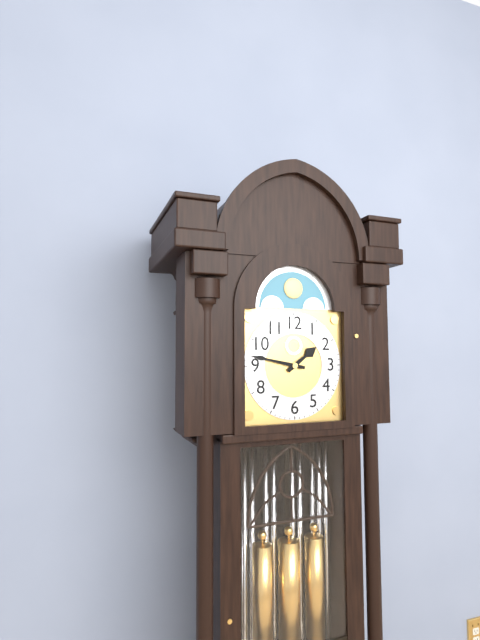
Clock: 1 h 47 min
